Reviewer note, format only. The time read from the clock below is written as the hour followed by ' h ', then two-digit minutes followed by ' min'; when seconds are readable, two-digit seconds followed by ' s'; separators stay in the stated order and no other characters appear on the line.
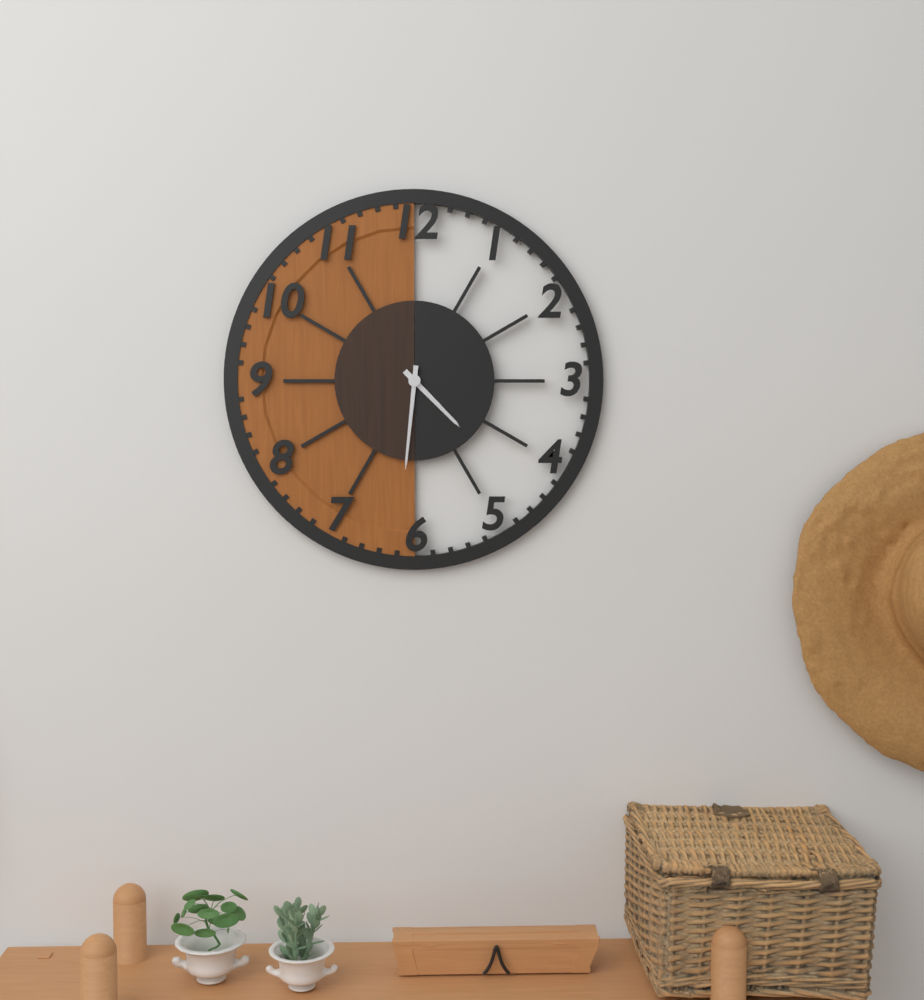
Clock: 4 h 31 min
